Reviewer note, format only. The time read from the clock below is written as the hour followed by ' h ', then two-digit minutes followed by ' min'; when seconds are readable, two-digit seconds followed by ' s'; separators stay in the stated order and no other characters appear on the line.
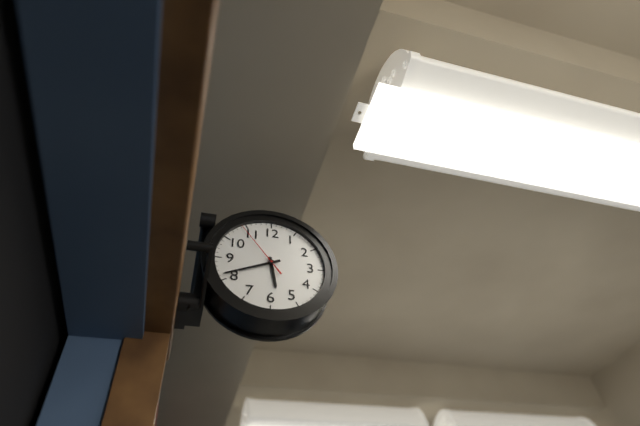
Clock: 5 h 41 min 54 s
